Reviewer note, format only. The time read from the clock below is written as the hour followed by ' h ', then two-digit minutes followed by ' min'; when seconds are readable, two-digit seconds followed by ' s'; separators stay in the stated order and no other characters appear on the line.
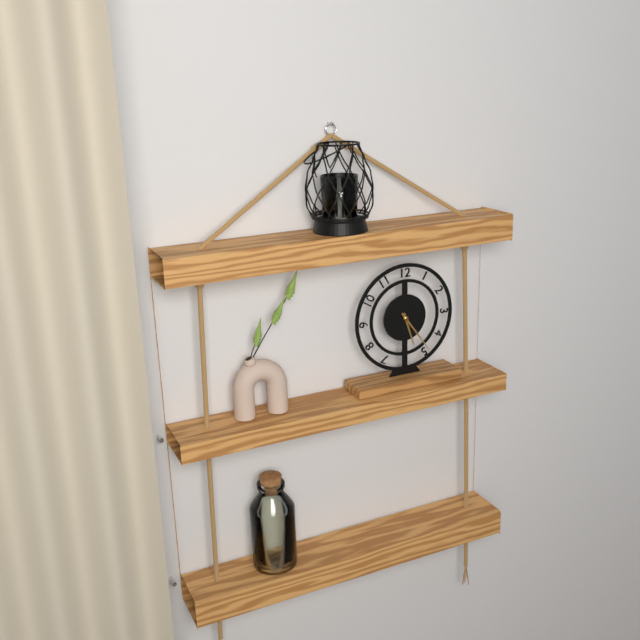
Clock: 5 h 24 min
